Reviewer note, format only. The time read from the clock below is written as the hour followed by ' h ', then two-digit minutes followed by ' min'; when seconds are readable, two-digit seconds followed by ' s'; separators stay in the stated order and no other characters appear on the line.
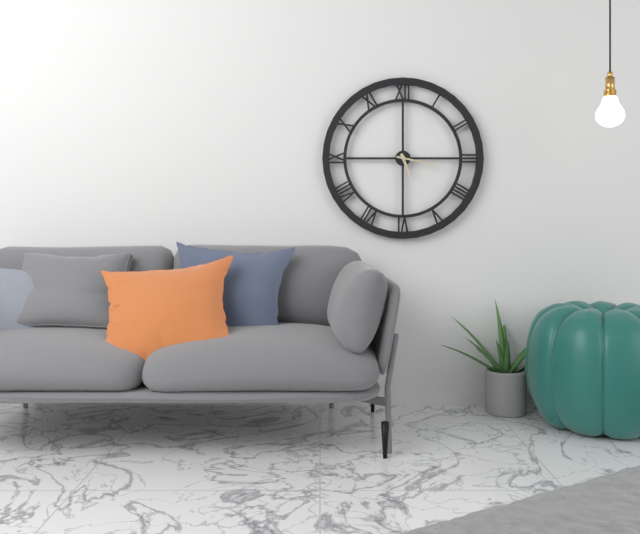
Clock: 5 h 17 min
